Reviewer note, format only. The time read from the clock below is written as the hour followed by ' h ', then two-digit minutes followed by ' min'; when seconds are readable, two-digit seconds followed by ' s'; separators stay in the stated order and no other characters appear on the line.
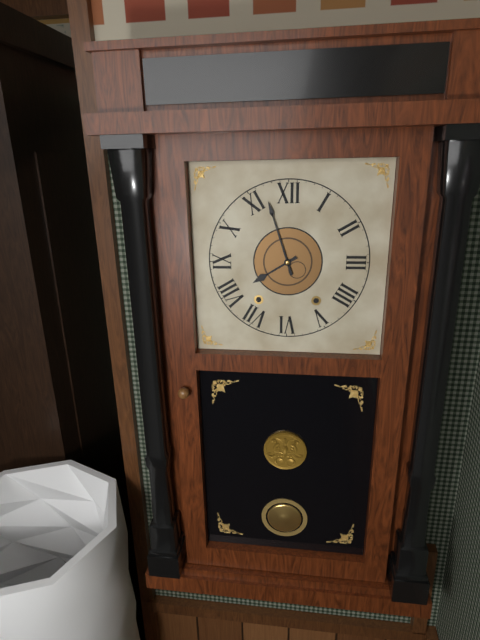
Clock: 7 h 57 min
